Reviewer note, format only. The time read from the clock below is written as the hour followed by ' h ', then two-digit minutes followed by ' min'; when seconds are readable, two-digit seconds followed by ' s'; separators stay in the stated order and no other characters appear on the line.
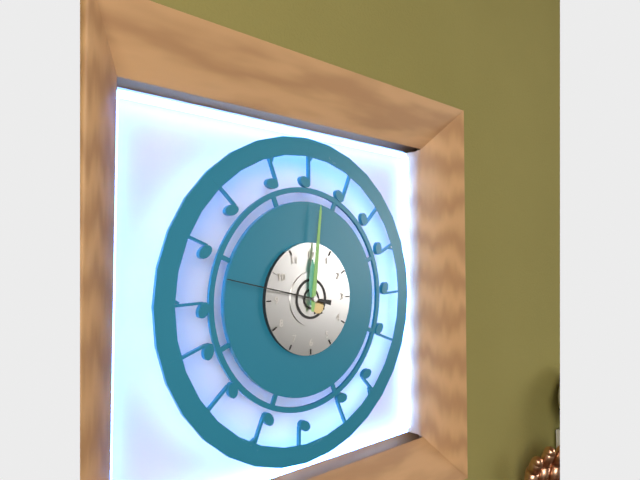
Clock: 12 h 01 min 47 s
